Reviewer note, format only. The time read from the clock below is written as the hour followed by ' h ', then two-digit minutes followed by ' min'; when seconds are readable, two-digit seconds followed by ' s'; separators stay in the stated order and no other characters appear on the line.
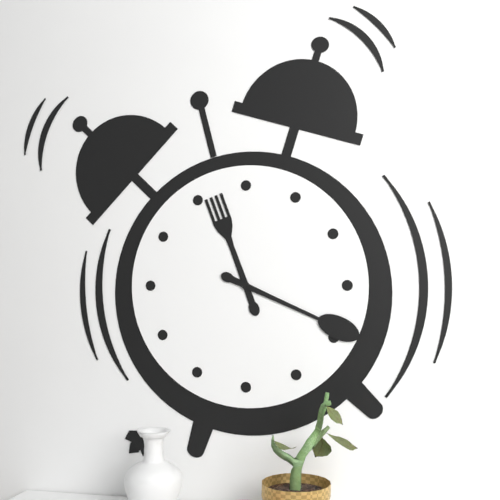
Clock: 11 h 19 min
